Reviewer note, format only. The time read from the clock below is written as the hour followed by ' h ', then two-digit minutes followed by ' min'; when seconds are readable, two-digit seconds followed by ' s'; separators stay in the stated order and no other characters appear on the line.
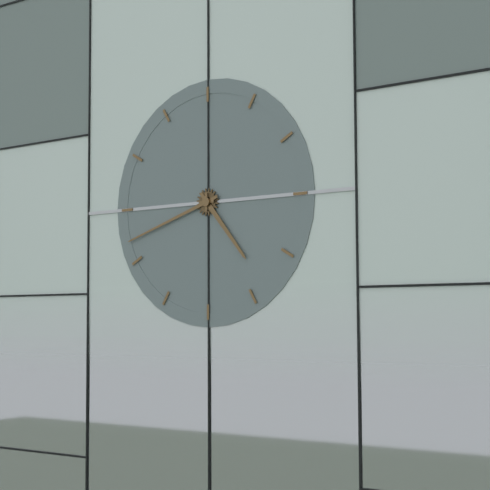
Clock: 4 h 42 min
